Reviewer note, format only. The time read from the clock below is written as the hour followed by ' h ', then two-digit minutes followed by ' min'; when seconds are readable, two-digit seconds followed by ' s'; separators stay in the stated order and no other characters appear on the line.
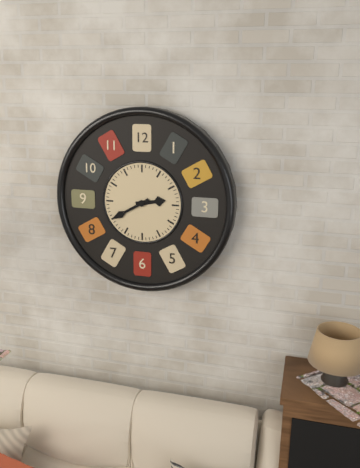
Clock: 2 h 40 min
